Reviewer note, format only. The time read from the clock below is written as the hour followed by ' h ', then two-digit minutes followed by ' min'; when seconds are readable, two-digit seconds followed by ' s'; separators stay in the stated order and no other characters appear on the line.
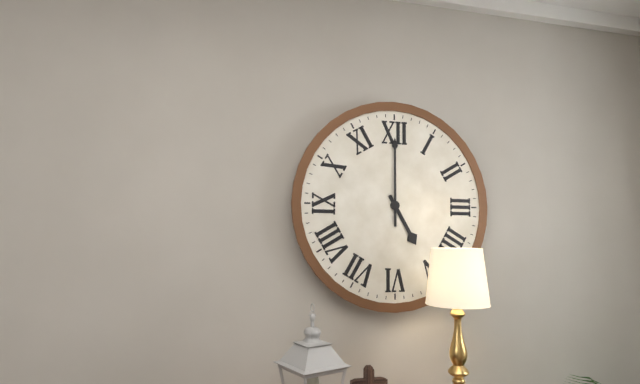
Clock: 5 h 00 min
